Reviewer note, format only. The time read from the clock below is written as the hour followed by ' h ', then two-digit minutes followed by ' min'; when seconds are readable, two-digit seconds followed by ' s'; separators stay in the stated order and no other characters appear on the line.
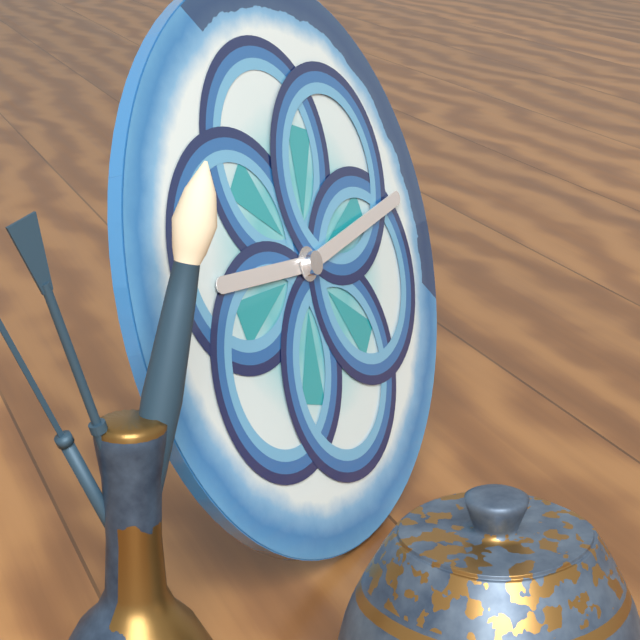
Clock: 9 h 14 min
